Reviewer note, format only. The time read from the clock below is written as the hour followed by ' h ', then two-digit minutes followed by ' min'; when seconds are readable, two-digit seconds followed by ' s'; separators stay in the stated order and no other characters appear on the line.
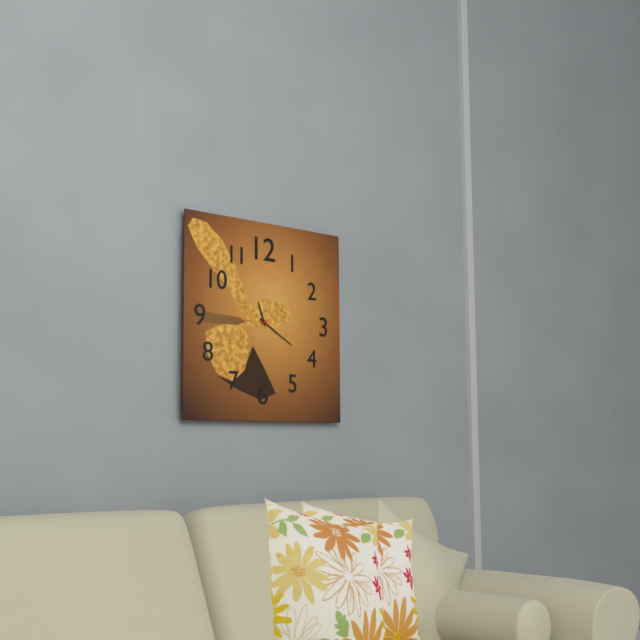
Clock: 11 h 20 min
